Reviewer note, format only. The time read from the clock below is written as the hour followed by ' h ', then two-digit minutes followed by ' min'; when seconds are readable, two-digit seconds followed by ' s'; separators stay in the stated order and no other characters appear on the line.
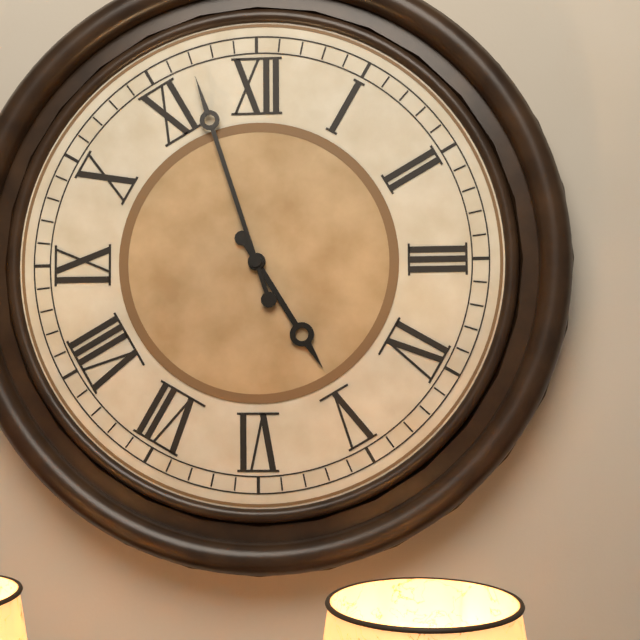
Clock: 4 h 57 min
